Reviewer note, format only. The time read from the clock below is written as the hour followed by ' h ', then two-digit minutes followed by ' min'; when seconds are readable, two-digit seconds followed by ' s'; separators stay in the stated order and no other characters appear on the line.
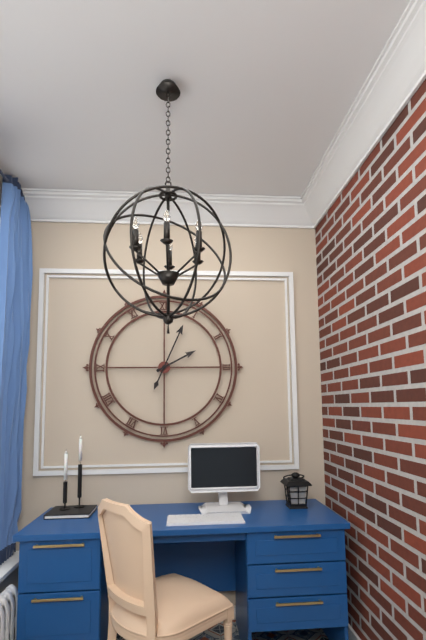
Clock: 2 h 04 min
